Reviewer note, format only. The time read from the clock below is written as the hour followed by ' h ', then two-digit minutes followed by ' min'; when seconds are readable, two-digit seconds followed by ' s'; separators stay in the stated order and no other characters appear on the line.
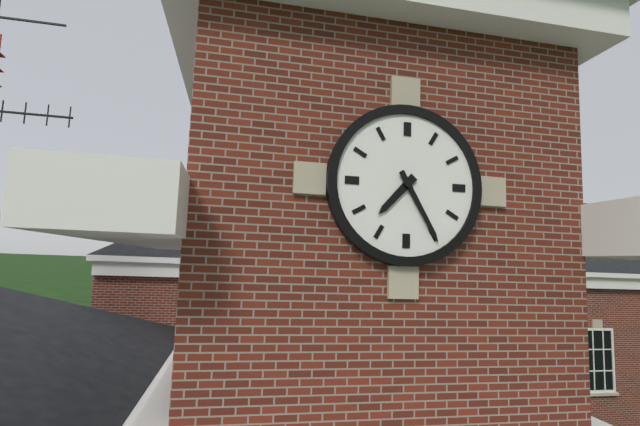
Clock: 7 h 25 min
